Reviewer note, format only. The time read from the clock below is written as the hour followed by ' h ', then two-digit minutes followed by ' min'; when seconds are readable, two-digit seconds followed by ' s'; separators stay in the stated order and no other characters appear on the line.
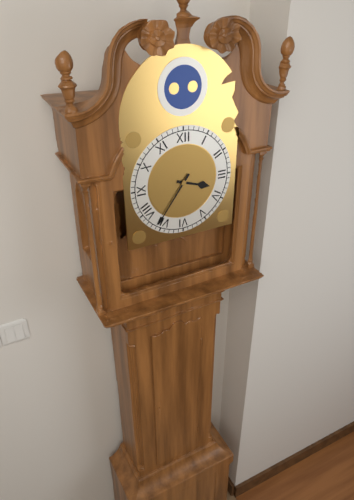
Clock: 3 h 36 min
